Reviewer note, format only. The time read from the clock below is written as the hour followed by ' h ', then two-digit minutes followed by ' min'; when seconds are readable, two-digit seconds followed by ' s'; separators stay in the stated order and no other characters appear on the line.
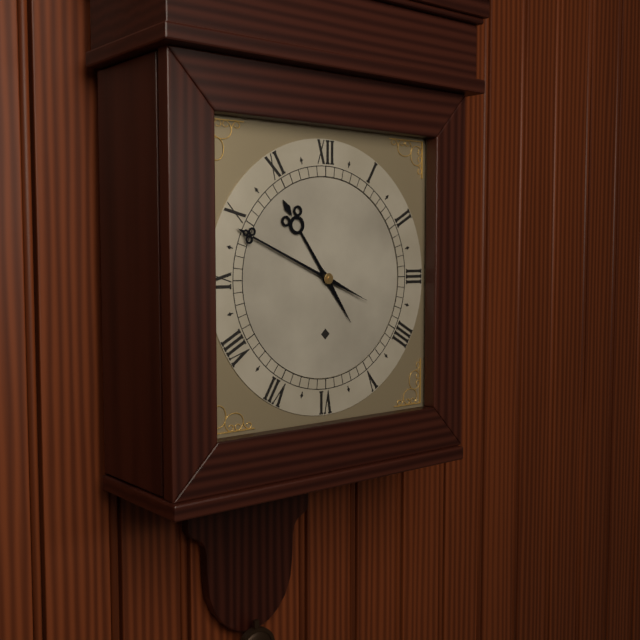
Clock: 10 h 49 min
